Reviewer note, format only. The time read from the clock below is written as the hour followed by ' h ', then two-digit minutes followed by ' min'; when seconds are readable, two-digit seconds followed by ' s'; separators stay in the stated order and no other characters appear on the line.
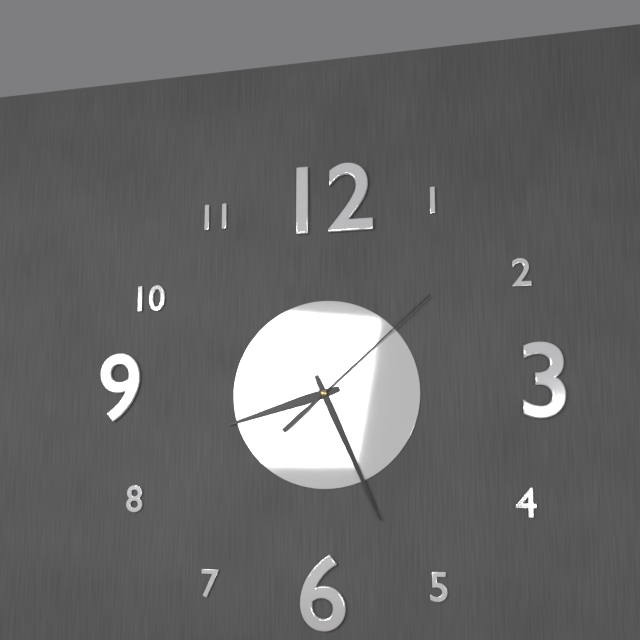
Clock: 8 h 26 min 08 s
